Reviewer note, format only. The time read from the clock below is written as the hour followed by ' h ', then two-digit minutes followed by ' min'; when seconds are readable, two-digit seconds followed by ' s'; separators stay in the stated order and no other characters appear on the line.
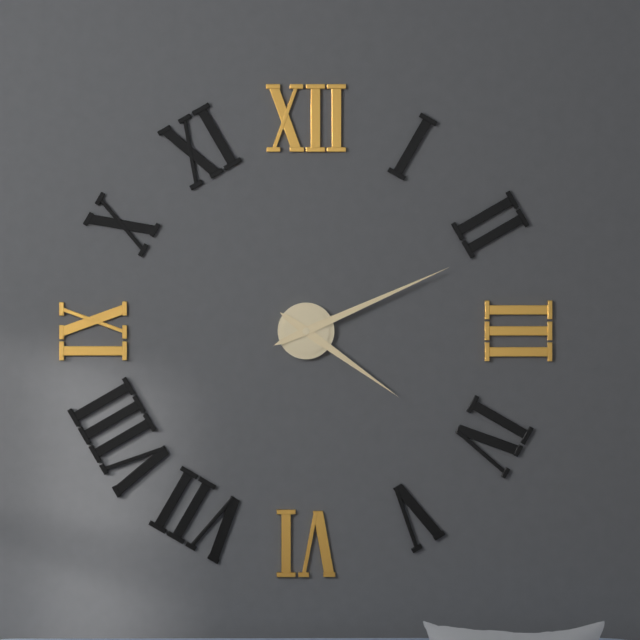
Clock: 4 h 11 min
